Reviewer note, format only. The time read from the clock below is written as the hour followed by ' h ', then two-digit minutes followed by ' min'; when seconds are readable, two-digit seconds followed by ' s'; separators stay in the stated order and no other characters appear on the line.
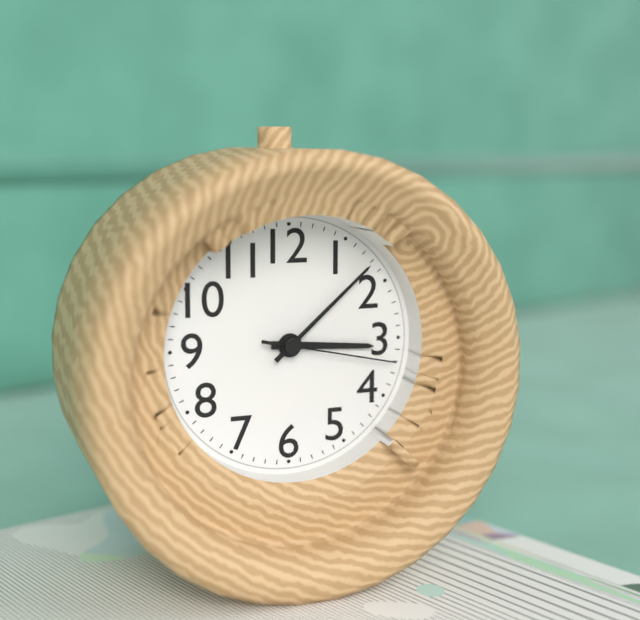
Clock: 3 h 08 min 17 s
